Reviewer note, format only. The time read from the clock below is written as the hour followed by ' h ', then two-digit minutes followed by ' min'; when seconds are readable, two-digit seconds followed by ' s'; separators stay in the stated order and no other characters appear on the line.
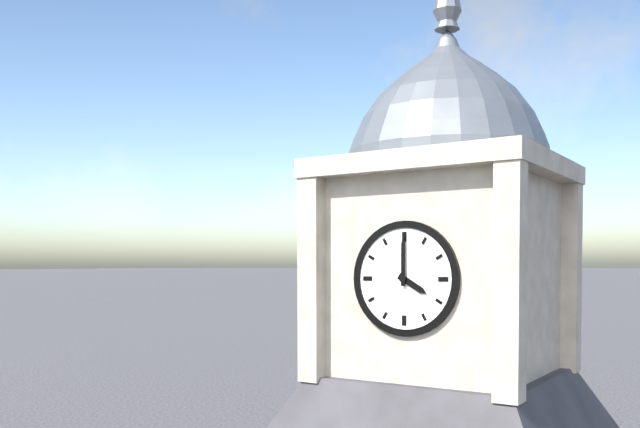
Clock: 4 h 00 min
